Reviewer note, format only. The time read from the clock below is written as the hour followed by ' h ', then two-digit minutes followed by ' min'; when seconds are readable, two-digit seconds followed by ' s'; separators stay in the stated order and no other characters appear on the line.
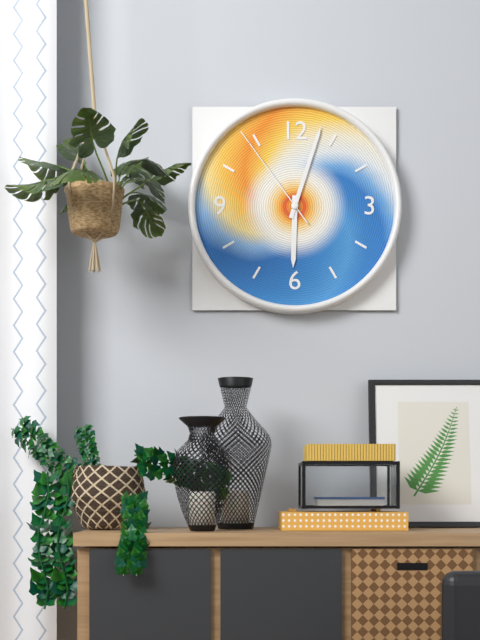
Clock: 6 h 03 min 54 s
